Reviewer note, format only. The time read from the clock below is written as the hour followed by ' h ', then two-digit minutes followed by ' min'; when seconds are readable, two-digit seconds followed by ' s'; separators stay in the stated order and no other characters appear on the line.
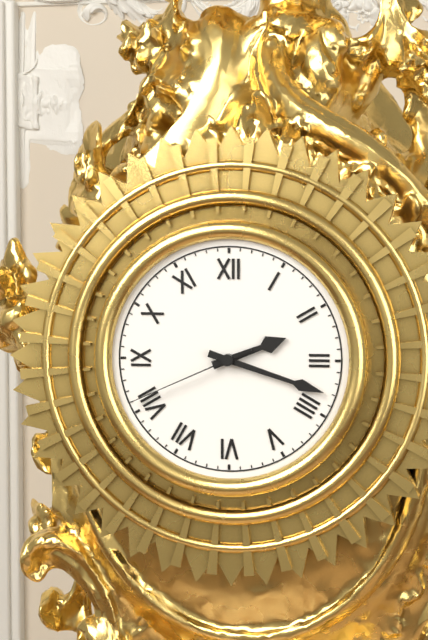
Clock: 2 h 18 min 41 s
